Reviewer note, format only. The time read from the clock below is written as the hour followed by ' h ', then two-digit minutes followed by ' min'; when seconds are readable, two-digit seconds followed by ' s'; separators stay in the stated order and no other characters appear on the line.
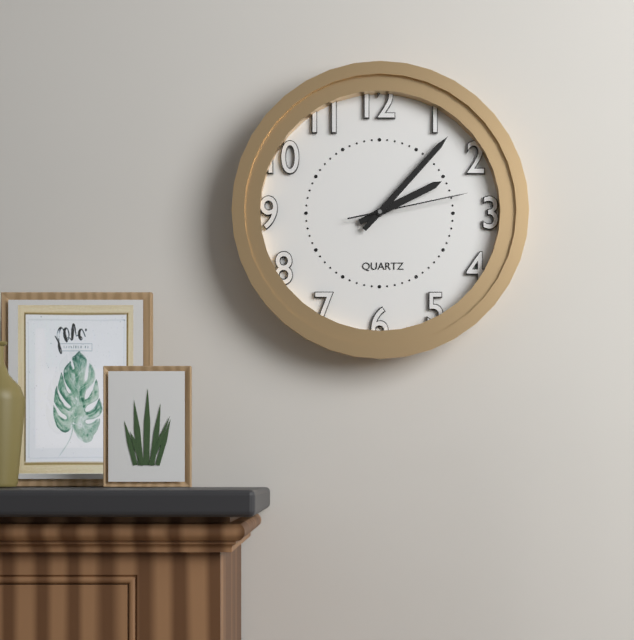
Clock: 2 h 07 min 13 s
